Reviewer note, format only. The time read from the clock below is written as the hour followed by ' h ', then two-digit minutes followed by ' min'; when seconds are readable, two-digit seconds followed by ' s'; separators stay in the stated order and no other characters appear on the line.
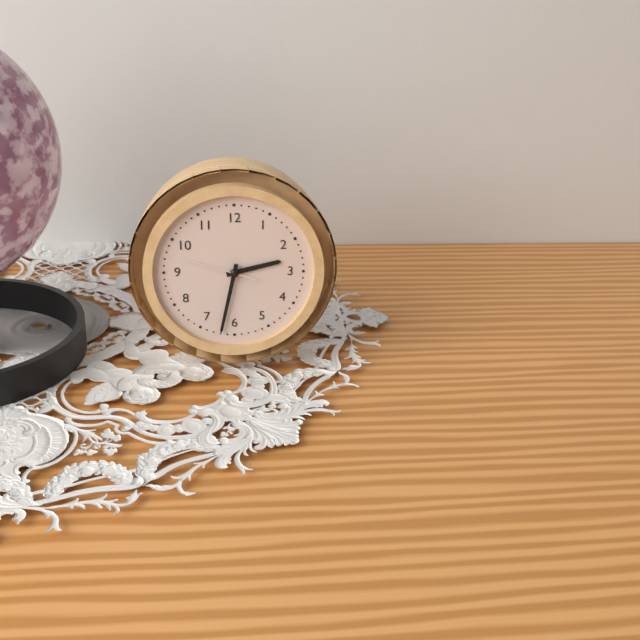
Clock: 2 h 32 min 48 s
